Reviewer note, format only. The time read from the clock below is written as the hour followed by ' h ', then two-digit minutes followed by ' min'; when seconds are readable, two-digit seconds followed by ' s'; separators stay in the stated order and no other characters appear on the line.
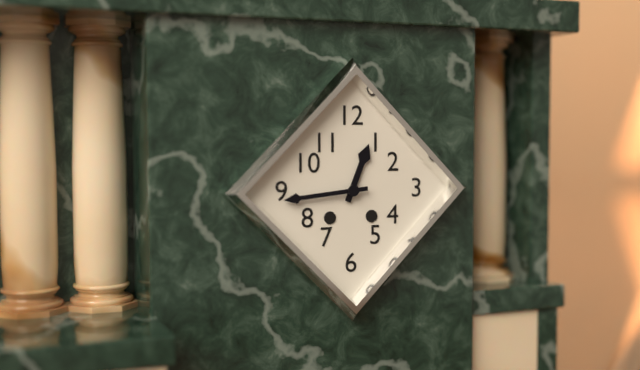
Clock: 12 h 44 min
